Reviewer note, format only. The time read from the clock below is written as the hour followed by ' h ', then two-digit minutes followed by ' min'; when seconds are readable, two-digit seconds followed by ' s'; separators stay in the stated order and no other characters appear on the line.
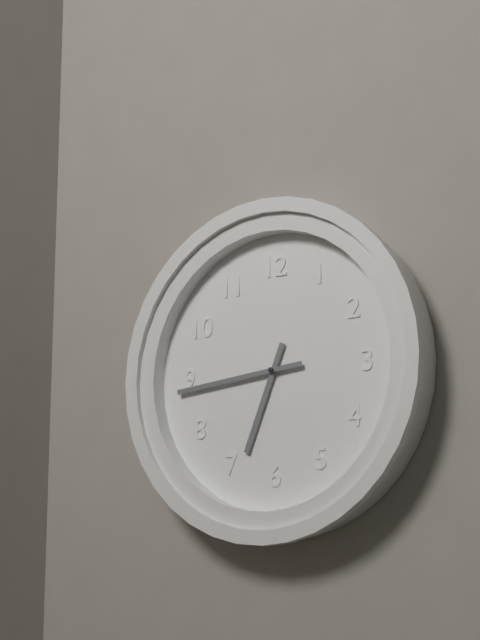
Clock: 6 h 44 min
